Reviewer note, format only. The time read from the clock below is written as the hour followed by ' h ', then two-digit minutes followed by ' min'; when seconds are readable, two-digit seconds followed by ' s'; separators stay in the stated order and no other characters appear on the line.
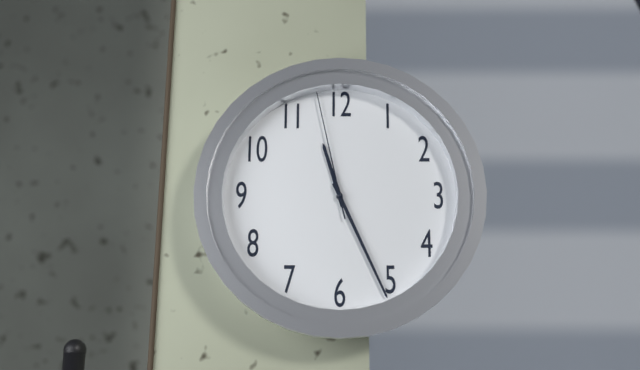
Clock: 11 h 26 min 58 s
